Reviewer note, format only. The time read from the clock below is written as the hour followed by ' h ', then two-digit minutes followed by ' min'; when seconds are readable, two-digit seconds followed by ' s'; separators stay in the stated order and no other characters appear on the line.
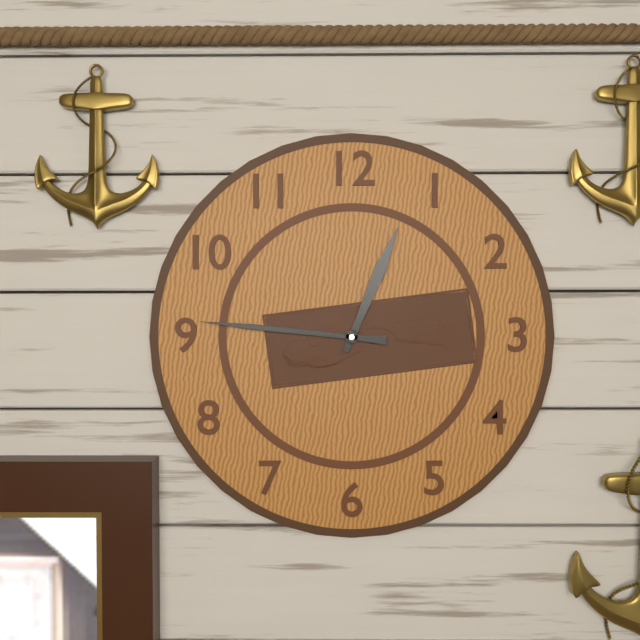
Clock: 12 h 46 min
